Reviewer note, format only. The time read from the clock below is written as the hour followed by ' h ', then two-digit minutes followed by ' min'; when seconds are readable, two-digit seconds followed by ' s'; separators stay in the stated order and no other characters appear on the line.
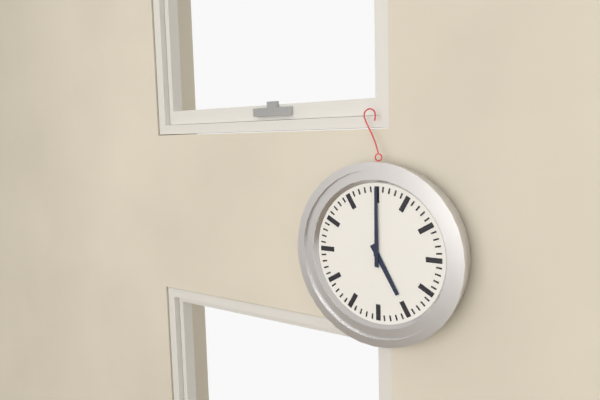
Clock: 5 h 00 min
